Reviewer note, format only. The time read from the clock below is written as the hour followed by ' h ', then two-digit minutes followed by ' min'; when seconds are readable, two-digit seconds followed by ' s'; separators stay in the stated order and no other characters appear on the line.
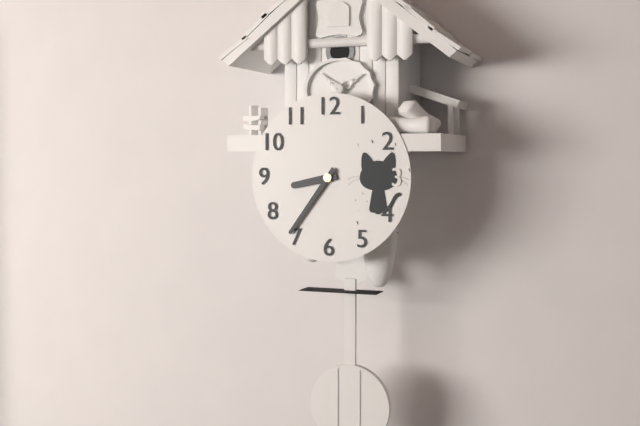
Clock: 8 h 36 min
